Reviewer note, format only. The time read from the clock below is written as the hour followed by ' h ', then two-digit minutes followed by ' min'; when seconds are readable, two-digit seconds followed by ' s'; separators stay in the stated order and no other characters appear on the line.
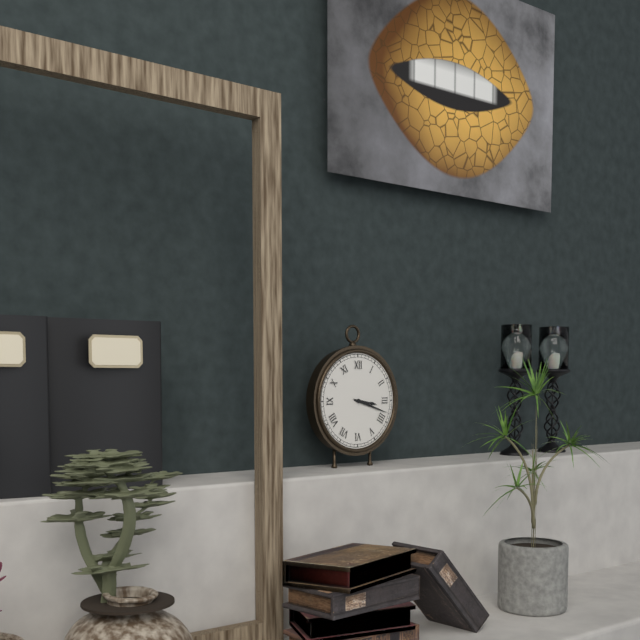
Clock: 3 h 18 min
